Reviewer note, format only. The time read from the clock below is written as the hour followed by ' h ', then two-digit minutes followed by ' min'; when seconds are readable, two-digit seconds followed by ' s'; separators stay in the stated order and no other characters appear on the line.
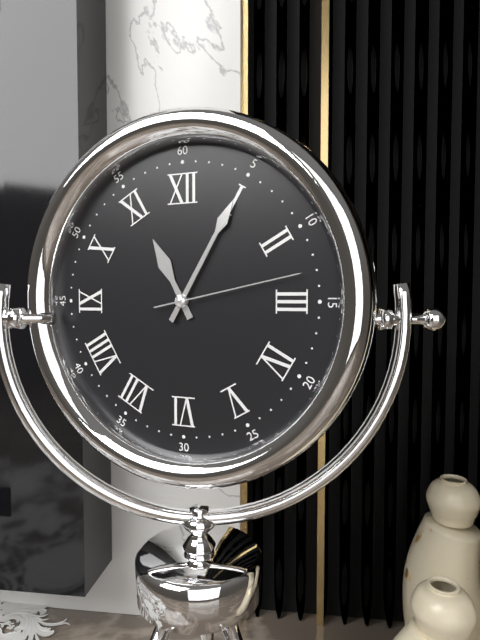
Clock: 11 h 05 min 13 s
